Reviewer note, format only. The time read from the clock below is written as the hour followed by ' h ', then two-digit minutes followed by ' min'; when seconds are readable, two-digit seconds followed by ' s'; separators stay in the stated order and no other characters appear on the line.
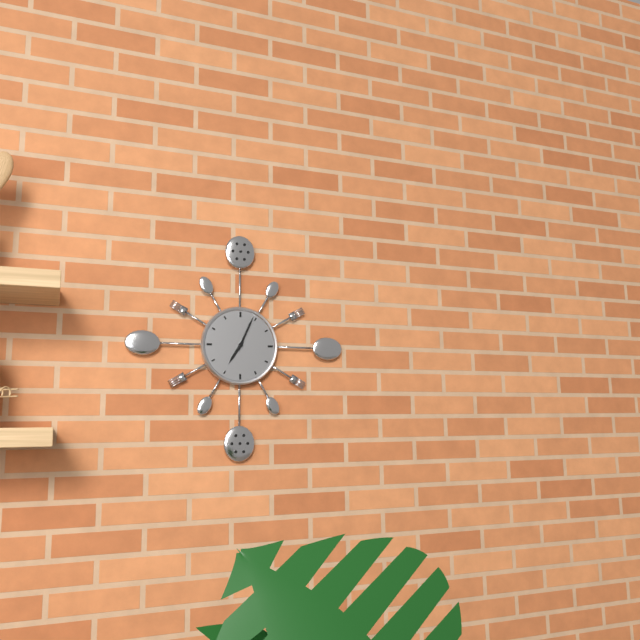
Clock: 7 h 04 min
